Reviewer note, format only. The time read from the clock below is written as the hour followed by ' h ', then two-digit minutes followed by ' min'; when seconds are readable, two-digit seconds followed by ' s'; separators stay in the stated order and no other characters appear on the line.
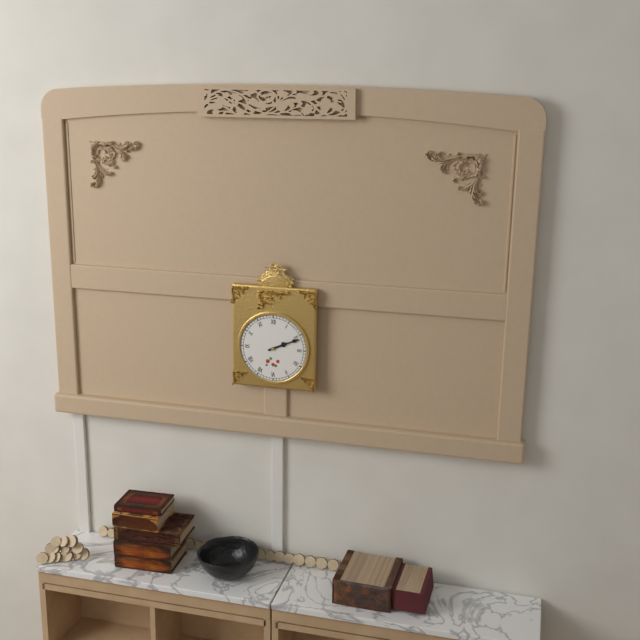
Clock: 2 h 11 min
